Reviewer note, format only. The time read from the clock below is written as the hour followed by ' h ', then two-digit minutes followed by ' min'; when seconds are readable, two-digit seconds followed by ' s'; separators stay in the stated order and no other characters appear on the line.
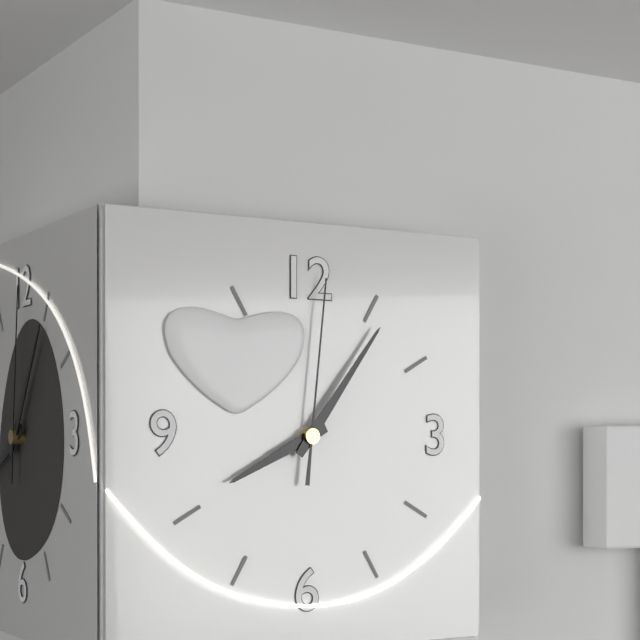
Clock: 8 h 06 min 01 s
